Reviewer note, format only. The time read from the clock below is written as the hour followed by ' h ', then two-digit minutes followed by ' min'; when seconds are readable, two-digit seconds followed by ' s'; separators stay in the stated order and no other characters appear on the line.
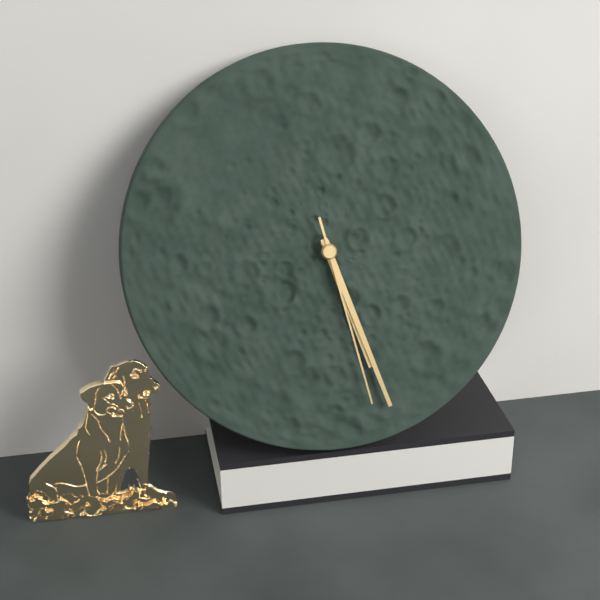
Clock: 5 h 27 min 28 s
